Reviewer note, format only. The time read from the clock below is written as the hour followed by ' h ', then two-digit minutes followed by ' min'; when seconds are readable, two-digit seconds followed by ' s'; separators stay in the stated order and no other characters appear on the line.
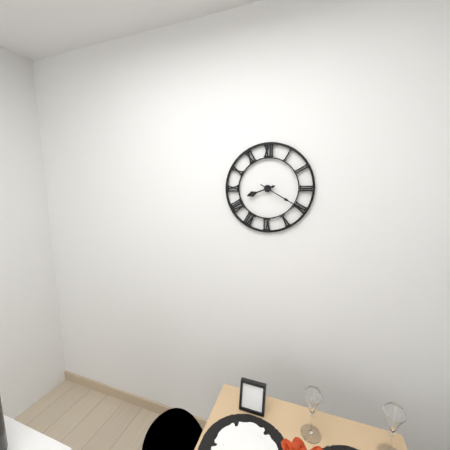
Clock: 8 h 20 min
